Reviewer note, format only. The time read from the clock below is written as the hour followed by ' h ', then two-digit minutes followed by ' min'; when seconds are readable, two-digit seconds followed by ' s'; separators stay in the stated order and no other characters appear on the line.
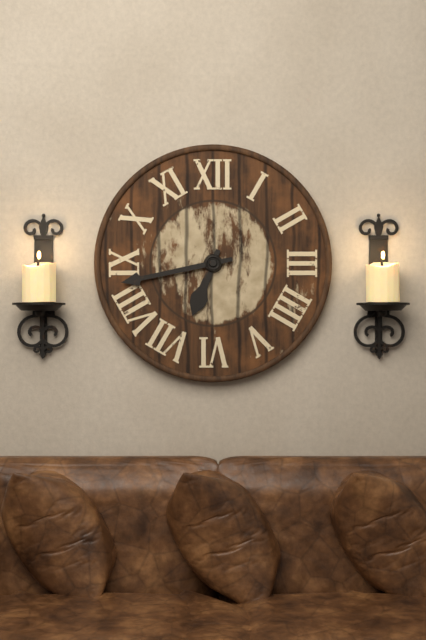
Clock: 6 h 43 min
